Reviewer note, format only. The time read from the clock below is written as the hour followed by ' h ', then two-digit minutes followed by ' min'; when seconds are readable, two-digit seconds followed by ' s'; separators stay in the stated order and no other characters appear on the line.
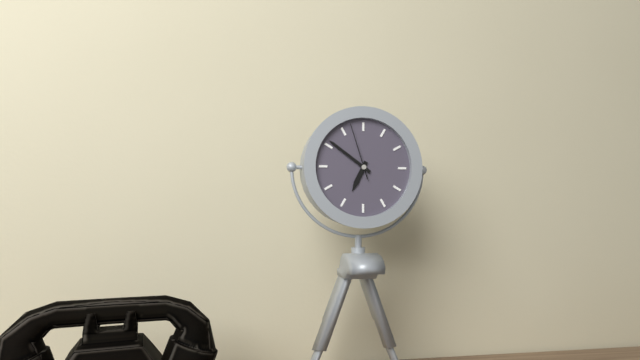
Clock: 6 h 51 min 57 s
